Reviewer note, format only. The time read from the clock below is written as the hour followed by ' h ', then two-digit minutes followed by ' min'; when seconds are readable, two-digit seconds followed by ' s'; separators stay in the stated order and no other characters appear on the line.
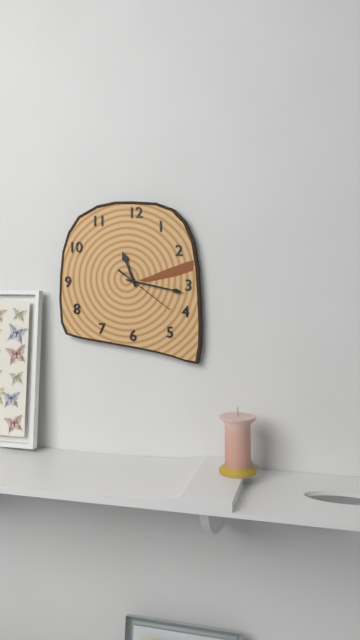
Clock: 11 h 17 min 21 s
